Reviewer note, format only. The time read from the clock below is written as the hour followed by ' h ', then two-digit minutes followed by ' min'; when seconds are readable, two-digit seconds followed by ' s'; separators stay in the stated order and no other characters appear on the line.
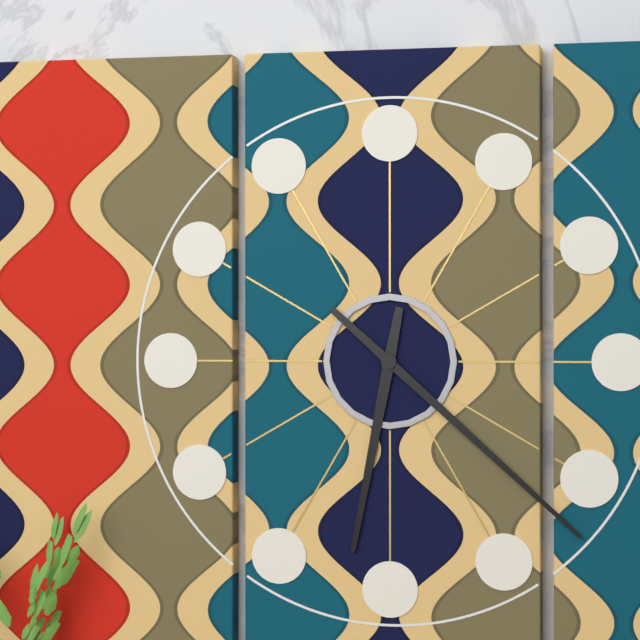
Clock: 6 h 22 min
